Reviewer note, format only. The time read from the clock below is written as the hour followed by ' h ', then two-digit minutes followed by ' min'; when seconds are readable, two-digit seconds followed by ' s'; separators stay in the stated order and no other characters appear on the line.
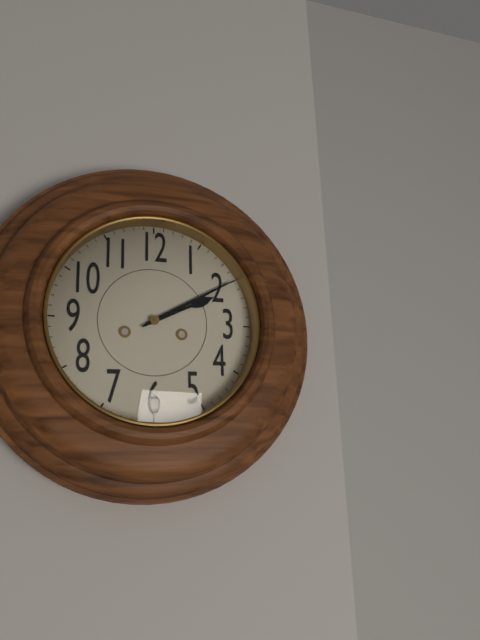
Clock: 2 h 10 min
